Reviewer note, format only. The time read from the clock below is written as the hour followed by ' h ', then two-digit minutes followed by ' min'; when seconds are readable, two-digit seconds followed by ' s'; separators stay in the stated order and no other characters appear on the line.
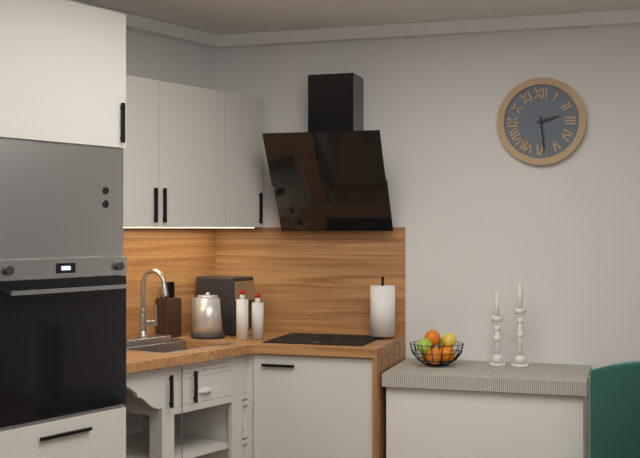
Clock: 2 h 29 min
